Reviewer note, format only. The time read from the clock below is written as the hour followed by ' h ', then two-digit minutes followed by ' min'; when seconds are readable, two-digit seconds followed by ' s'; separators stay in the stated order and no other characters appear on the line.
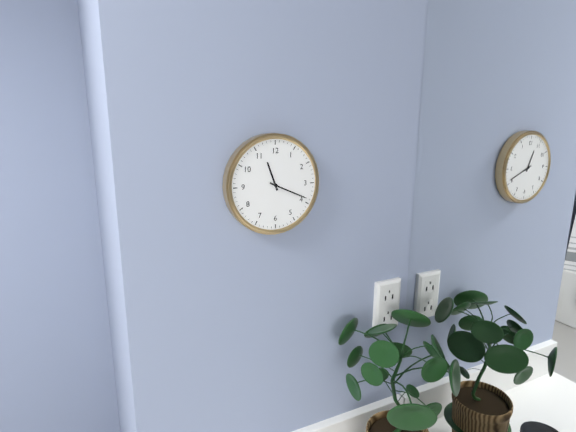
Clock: 11 h 19 min
